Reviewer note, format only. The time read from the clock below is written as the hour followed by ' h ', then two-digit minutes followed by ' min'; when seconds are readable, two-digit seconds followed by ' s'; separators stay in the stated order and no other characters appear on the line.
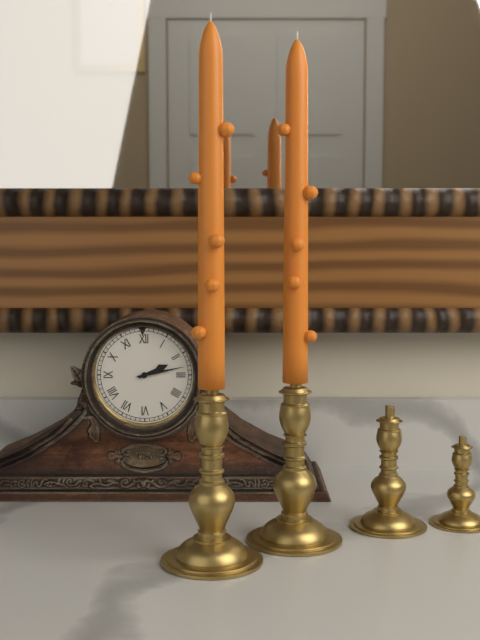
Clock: 2 h 13 min
